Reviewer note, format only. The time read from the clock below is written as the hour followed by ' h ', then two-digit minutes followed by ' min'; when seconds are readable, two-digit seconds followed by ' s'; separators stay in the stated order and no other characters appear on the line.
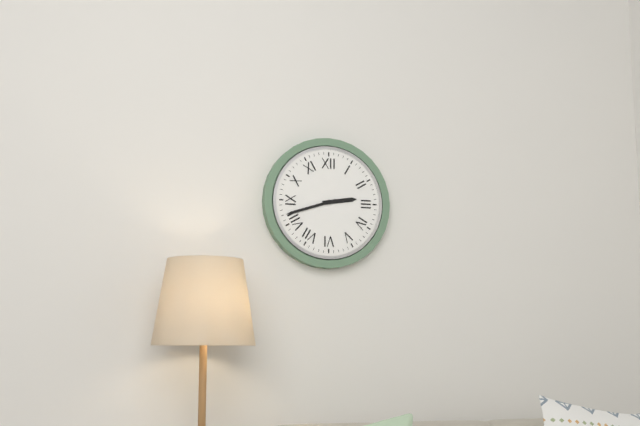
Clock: 2 h 42 min
